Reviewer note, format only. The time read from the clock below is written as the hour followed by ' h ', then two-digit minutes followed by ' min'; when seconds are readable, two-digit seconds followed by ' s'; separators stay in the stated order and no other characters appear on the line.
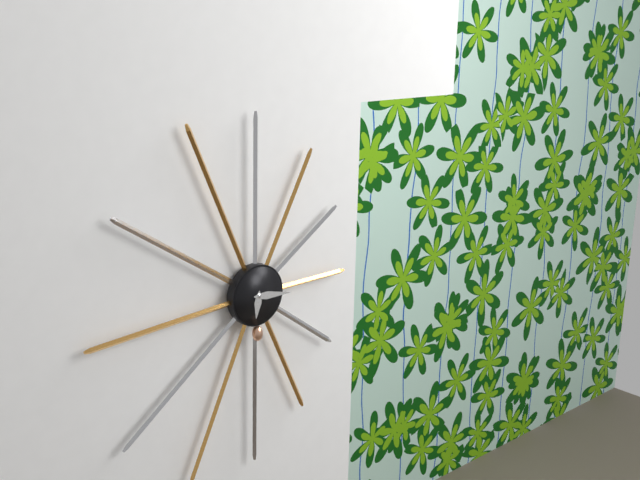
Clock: 6 h 16 min
